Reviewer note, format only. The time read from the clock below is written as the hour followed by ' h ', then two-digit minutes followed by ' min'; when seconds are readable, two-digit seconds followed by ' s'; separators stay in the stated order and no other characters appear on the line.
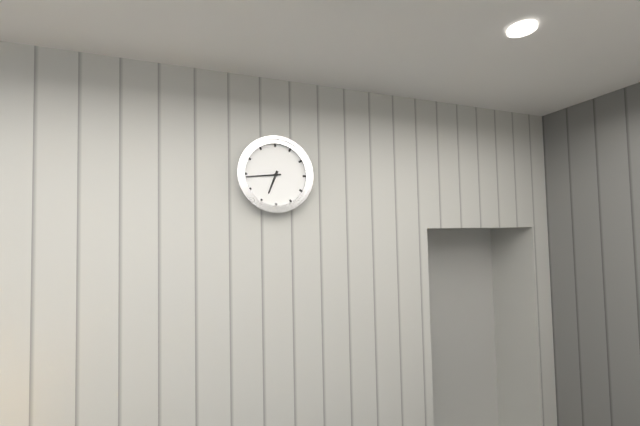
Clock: 6 h 44 min
